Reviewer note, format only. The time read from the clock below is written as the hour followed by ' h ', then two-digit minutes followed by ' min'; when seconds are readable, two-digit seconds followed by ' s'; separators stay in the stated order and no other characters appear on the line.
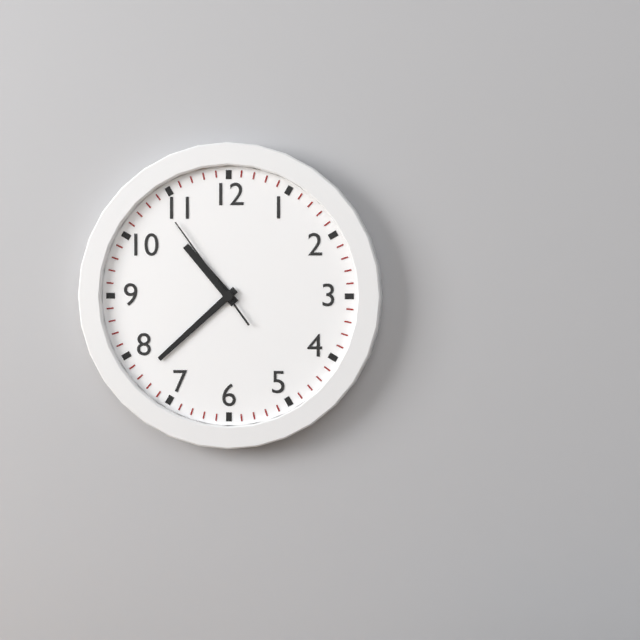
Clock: 10 h 38 min 54 s
